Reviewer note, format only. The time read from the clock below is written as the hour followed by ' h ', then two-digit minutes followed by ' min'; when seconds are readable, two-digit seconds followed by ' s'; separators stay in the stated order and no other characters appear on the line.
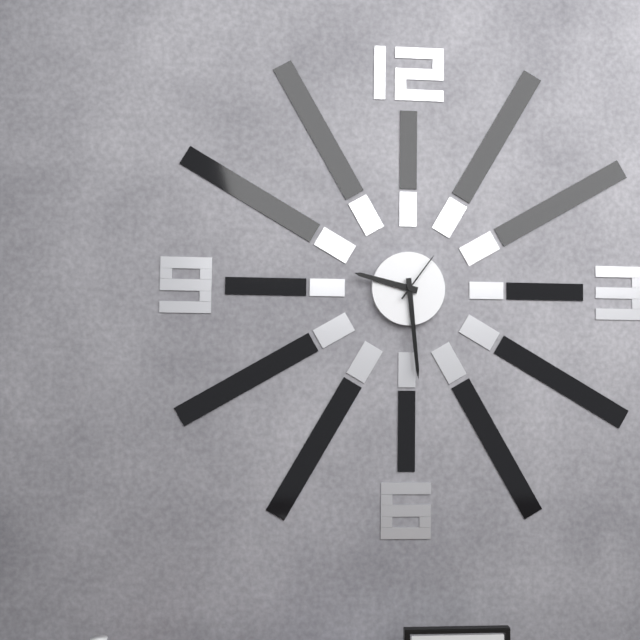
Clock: 9 h 29 min 06 s
